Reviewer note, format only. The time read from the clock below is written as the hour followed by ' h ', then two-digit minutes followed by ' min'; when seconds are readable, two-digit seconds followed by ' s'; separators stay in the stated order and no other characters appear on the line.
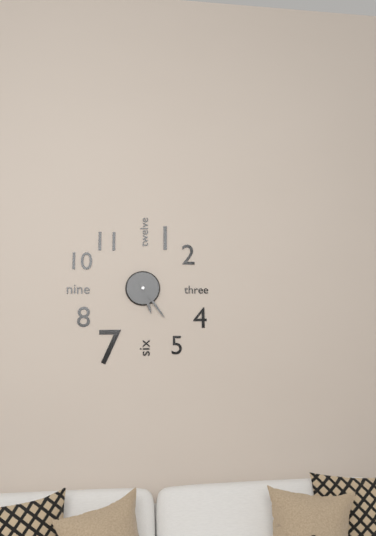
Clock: 5 h 24 min
